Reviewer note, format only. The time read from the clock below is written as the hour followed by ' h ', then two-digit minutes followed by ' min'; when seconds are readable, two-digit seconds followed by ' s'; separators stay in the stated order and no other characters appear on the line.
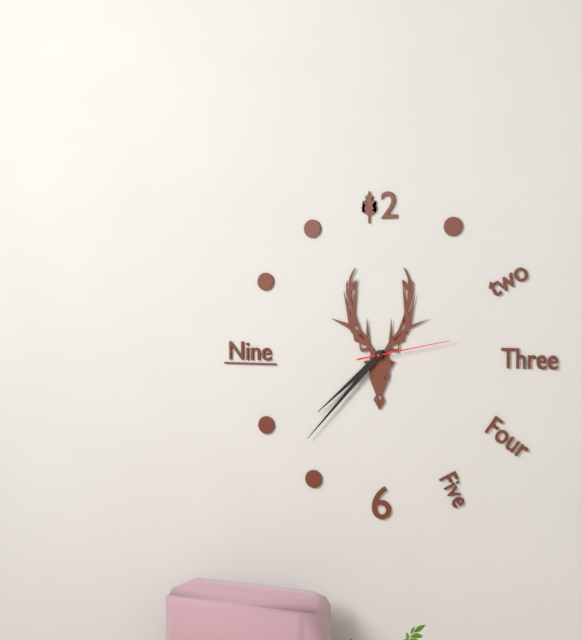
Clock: 7 h 37 min 13 s
